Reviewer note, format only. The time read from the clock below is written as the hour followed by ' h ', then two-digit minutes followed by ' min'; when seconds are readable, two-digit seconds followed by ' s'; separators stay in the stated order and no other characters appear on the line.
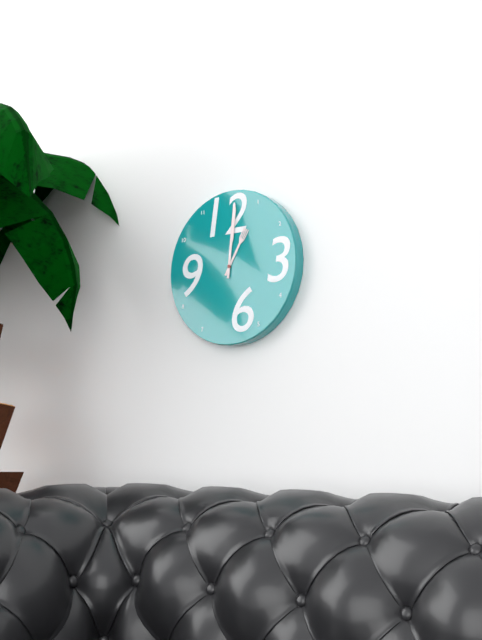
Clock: 1 h 01 min
